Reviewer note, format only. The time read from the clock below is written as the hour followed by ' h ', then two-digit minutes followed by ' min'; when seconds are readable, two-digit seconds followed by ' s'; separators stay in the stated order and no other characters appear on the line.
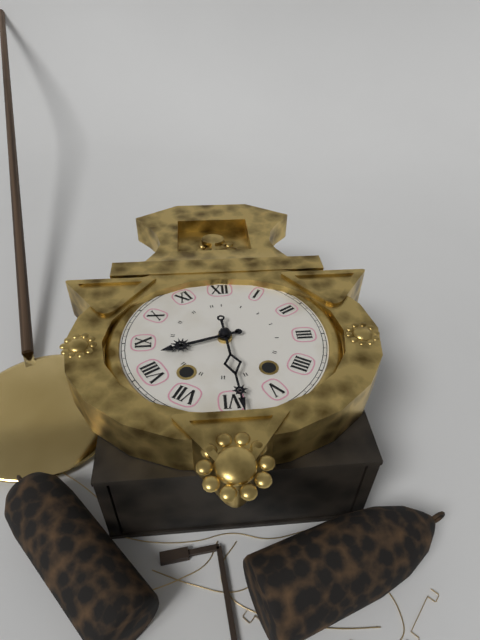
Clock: 8 h 29 min
